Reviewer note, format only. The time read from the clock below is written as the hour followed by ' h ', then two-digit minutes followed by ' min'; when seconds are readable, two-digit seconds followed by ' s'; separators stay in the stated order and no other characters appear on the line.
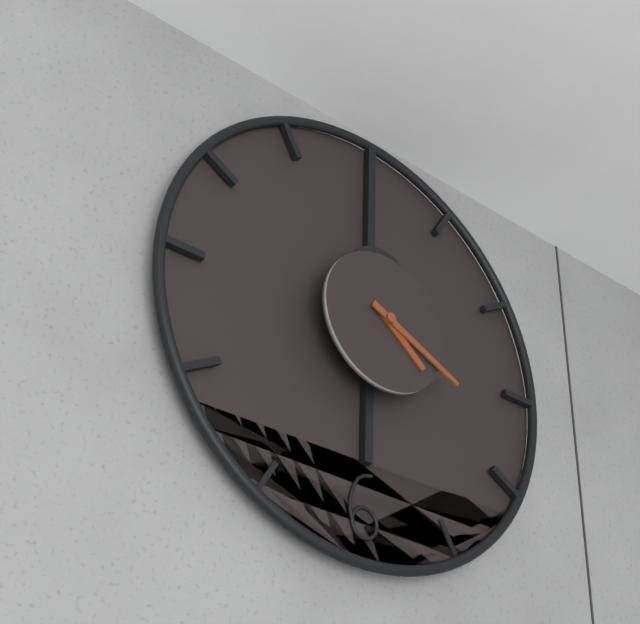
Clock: 4 h 19 min
